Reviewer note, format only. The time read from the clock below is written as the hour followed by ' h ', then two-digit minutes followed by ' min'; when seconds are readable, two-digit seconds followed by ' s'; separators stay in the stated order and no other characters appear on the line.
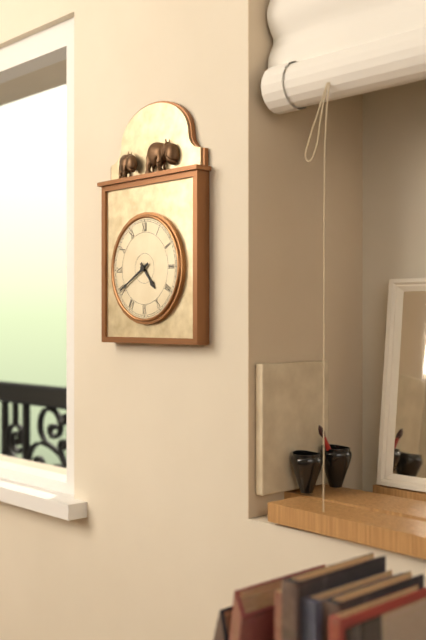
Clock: 4 h 40 min
